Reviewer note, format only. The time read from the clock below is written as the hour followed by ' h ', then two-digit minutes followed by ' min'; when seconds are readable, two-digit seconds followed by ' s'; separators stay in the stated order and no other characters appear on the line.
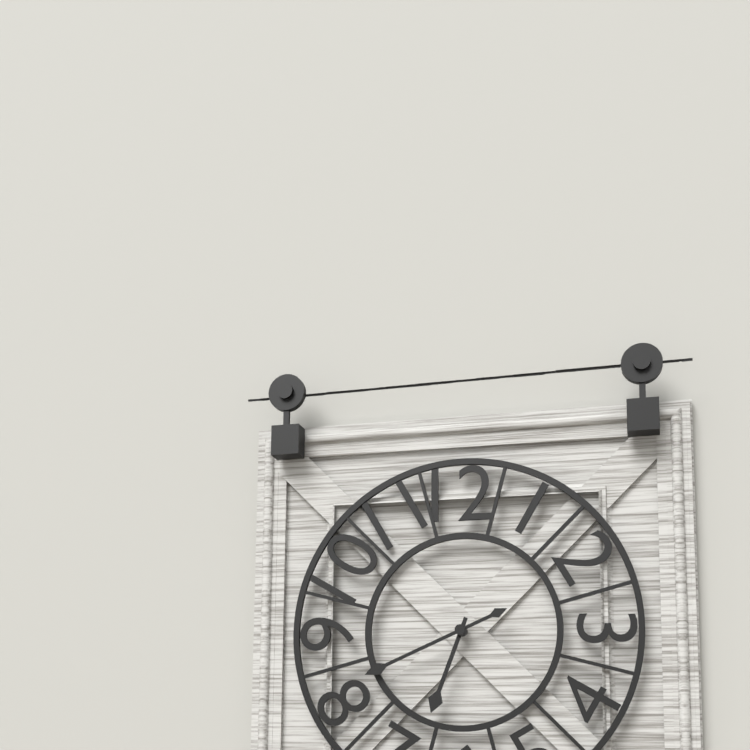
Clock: 6 h 41 min
